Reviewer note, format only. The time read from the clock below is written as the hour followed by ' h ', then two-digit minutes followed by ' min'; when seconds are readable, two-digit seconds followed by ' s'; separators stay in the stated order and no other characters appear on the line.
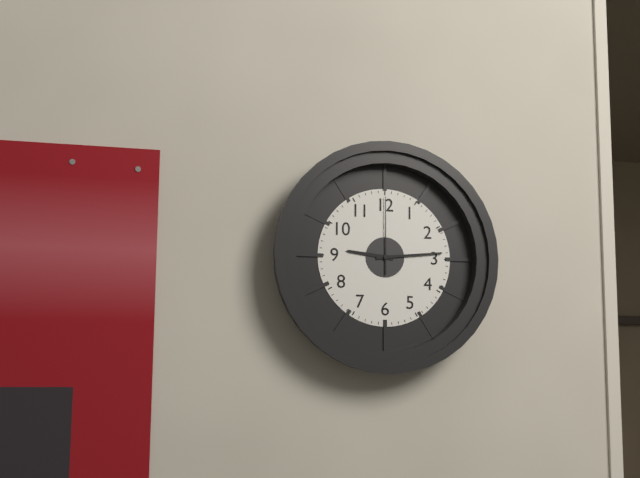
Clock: 9 h 14 min 00 s
